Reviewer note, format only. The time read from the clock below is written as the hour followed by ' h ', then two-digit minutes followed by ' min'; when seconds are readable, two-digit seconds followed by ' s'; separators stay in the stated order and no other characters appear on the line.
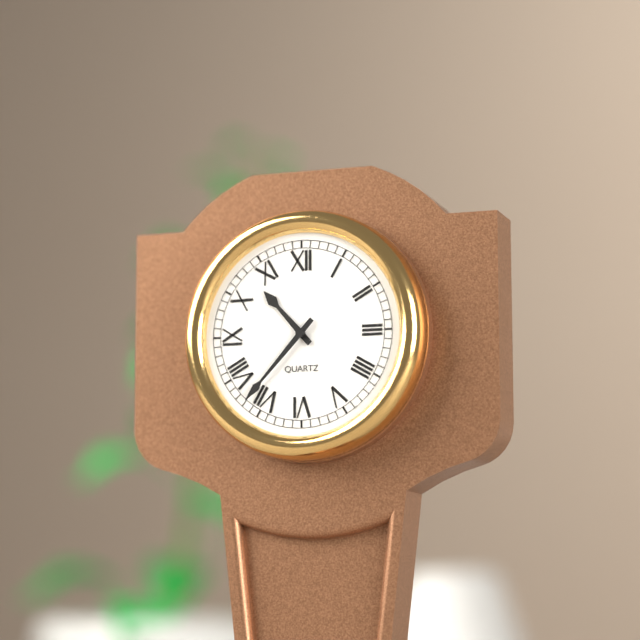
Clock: 10 h 37 min
